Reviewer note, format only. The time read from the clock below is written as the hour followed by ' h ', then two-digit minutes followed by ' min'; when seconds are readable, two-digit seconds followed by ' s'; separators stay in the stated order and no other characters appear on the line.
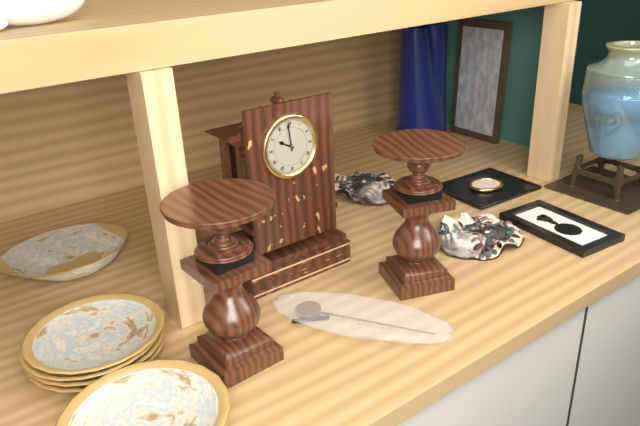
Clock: 9 h 59 min
